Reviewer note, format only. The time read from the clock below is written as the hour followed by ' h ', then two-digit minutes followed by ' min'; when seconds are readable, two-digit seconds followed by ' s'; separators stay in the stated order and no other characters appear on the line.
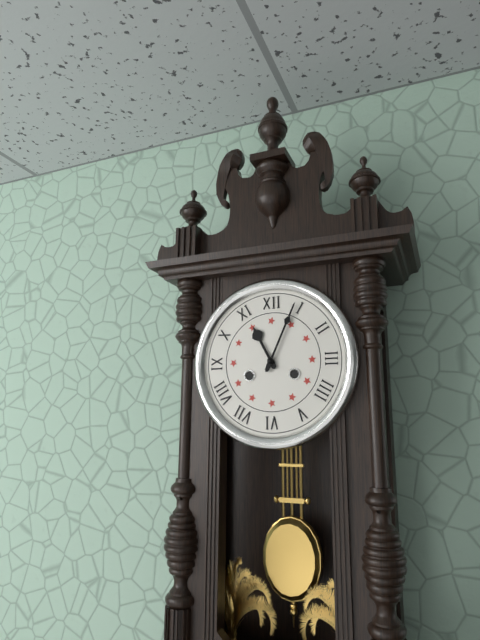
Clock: 11 h 04 min
